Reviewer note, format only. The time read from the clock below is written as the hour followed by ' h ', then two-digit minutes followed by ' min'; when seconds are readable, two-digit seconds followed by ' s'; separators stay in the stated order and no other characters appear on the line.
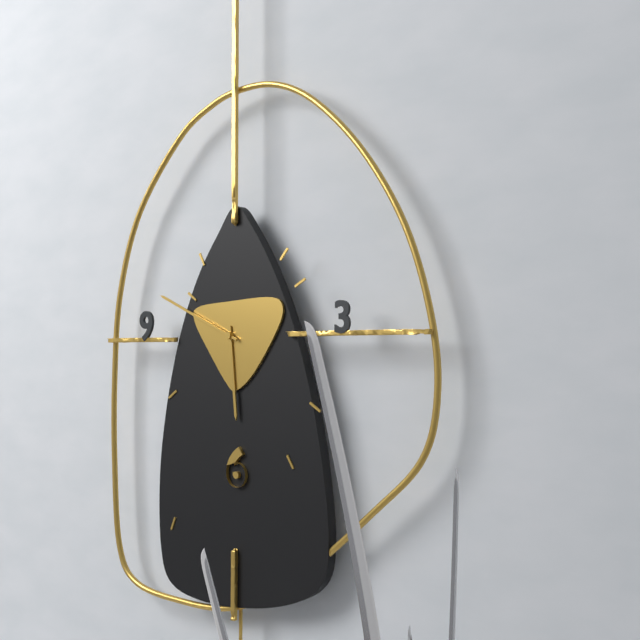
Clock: 5 h 49 min
